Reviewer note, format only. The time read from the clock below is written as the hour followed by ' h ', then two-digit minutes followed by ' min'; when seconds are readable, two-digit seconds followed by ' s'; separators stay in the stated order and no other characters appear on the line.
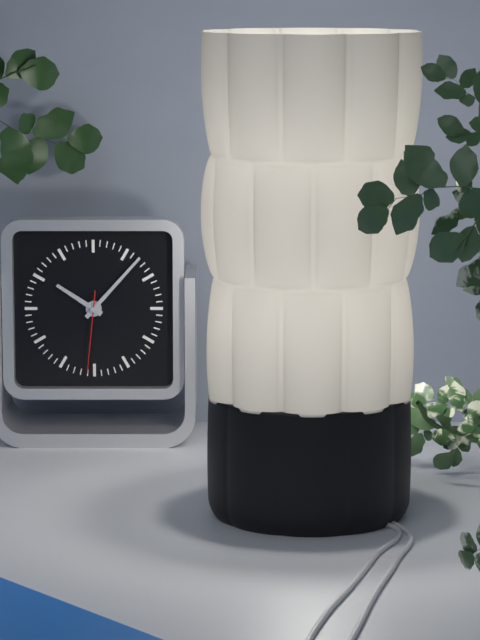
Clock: 10 h 07 min 31 s
